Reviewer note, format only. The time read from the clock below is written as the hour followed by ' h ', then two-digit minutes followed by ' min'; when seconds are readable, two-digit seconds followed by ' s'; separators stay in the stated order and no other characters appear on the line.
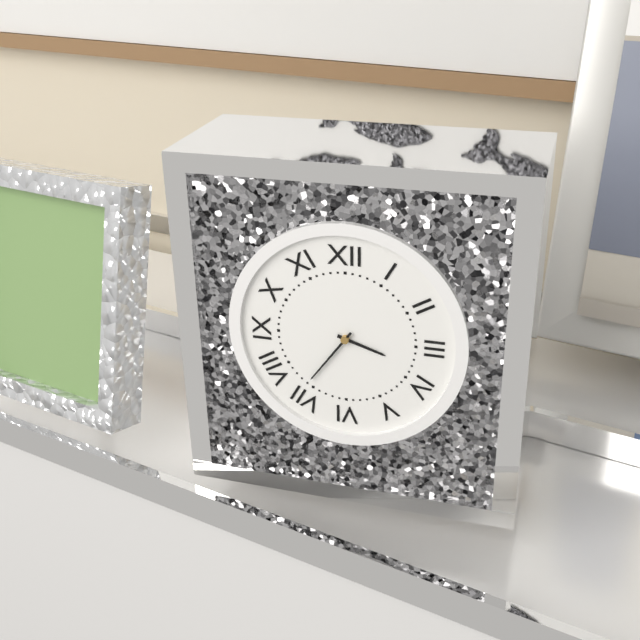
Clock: 3 h 36 min
